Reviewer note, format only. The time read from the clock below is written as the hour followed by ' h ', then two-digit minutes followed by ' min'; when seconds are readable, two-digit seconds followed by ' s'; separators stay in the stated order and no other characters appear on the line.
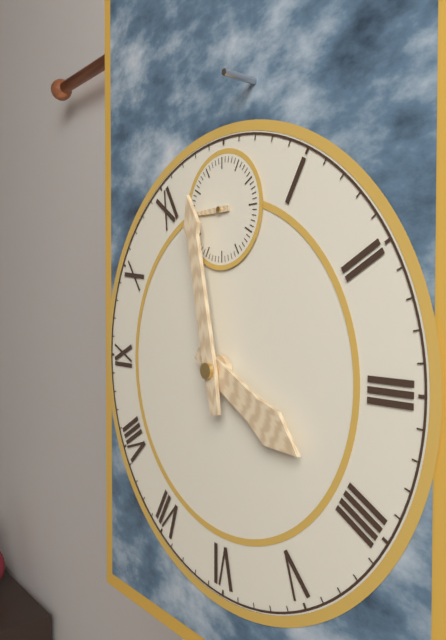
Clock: 3 h 58 min
